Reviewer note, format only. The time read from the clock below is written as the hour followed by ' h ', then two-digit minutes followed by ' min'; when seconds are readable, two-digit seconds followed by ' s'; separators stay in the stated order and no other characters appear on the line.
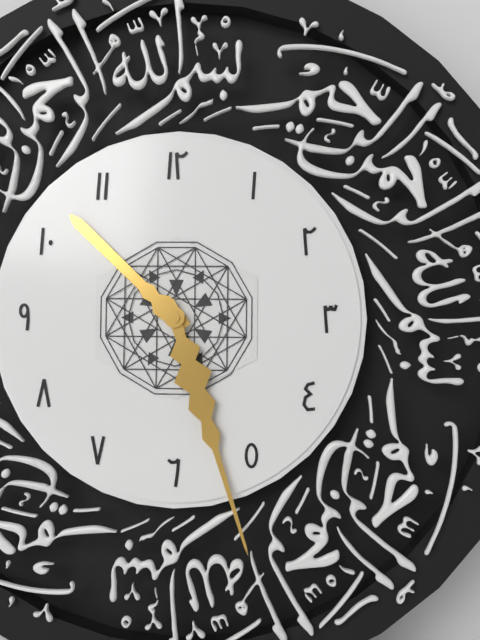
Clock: 10 h 27 min
